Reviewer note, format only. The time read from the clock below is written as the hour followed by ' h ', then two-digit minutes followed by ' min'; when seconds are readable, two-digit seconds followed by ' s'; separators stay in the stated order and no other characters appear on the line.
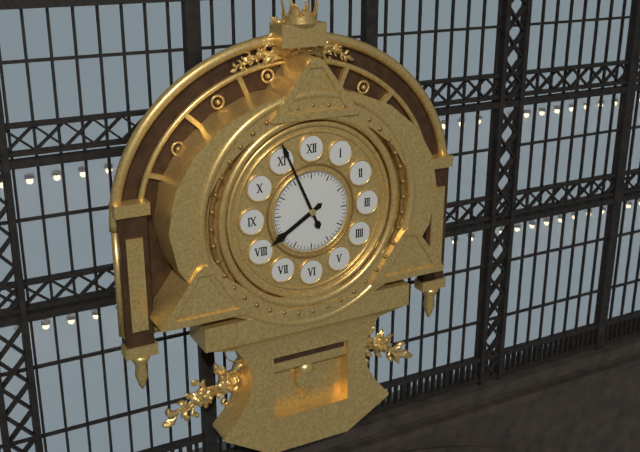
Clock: 7 h 56 min
